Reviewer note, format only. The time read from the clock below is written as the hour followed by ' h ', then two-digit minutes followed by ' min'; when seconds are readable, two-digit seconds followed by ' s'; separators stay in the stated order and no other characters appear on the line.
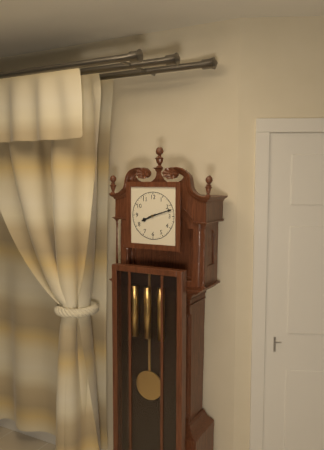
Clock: 8 h 12 min
